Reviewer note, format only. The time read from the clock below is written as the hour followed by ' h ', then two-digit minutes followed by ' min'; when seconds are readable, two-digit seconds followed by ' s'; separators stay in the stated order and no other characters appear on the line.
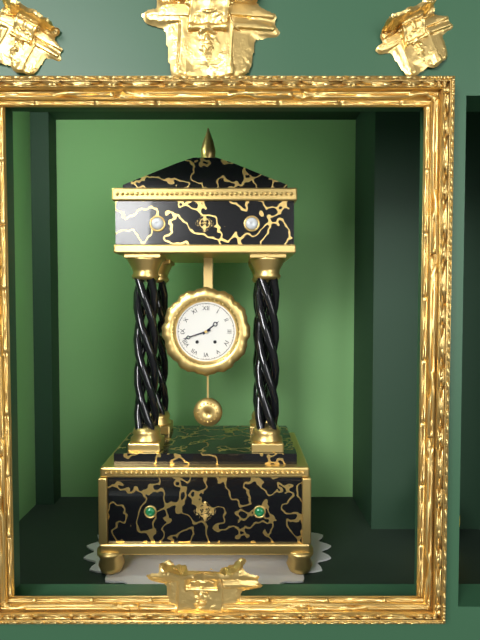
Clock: 1 h 42 min
